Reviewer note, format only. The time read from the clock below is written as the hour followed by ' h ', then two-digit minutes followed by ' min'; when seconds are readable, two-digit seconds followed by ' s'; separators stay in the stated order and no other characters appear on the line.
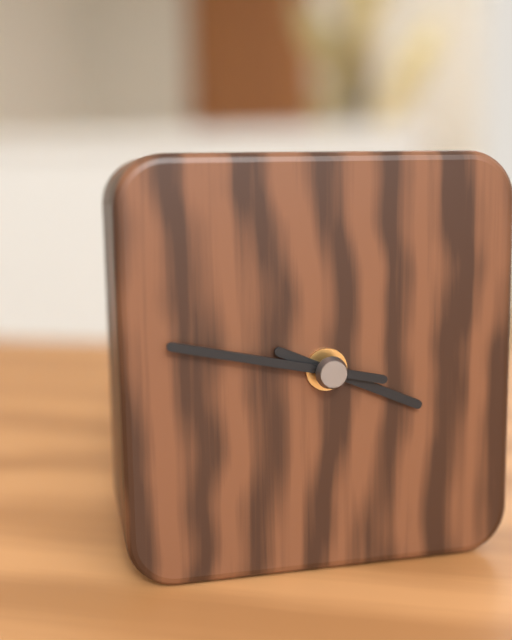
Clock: 3 h 47 min
